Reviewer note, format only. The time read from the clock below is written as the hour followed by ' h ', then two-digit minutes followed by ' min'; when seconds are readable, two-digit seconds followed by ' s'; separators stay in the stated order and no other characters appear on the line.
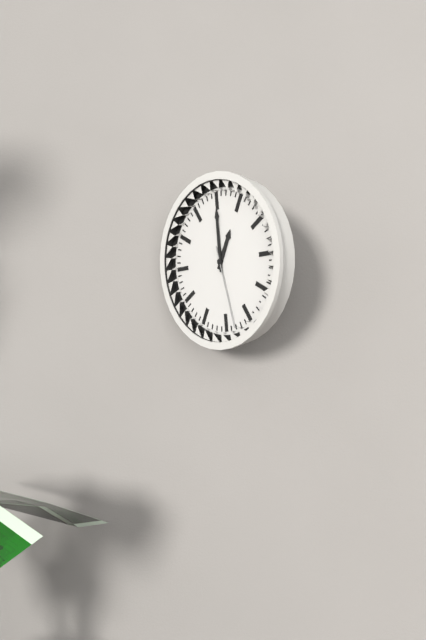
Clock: 1 h 00 min 28 s
